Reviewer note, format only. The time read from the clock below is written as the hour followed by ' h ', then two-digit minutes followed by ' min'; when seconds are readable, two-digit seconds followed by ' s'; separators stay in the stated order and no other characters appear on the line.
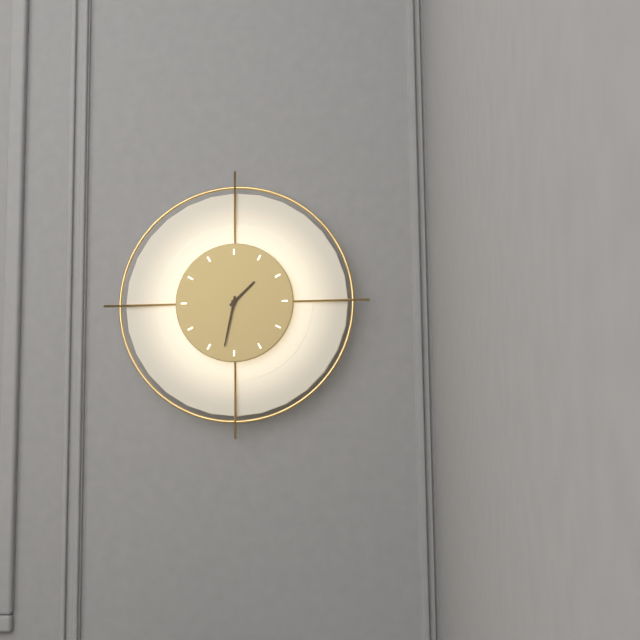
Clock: 1 h 32 min
